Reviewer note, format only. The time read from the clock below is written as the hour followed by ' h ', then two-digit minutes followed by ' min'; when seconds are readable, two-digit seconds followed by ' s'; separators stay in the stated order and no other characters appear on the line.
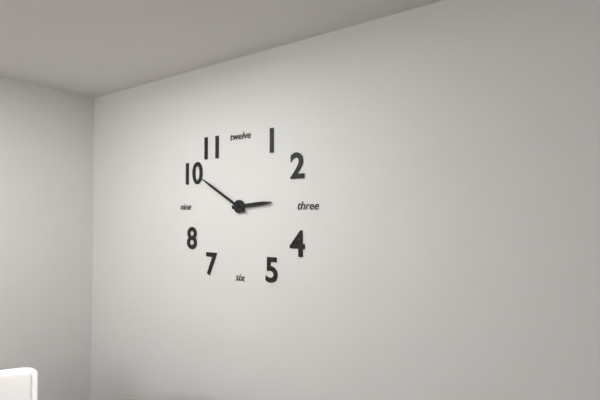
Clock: 2 h 50 min
